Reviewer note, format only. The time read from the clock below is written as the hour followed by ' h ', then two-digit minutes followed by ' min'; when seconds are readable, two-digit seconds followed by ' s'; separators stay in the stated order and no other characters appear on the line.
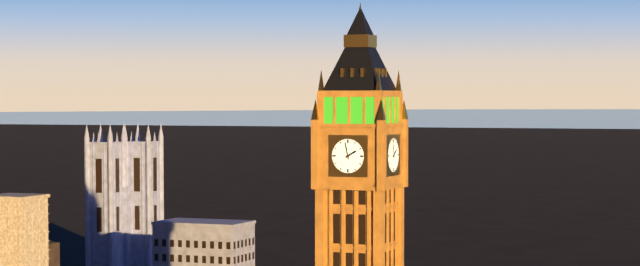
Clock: 1 h 58 min
